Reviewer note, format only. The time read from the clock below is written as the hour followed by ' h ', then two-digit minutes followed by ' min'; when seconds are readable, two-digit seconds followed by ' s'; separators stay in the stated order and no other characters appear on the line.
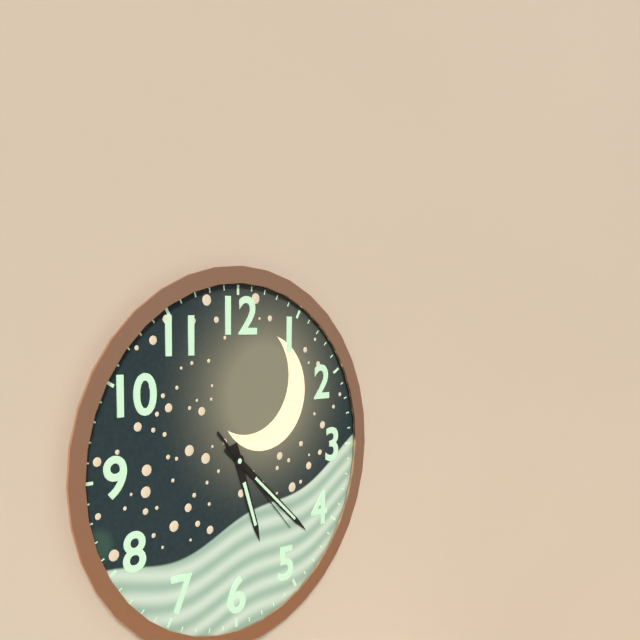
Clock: 5 h 22 min 23 s
